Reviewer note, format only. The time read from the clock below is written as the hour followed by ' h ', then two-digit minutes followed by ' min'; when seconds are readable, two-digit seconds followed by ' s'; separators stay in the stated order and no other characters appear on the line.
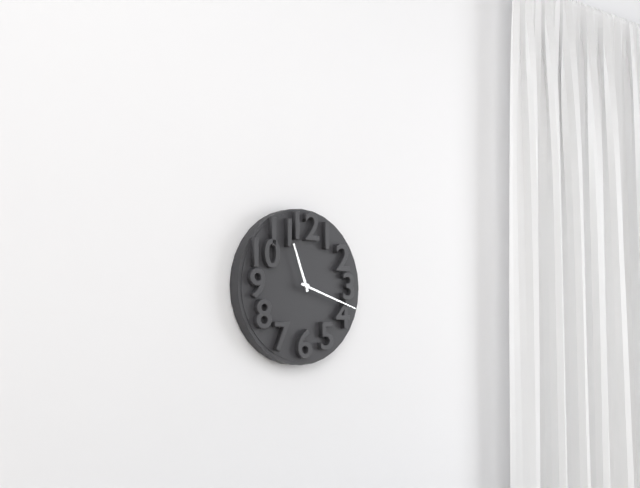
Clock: 11 h 18 min
